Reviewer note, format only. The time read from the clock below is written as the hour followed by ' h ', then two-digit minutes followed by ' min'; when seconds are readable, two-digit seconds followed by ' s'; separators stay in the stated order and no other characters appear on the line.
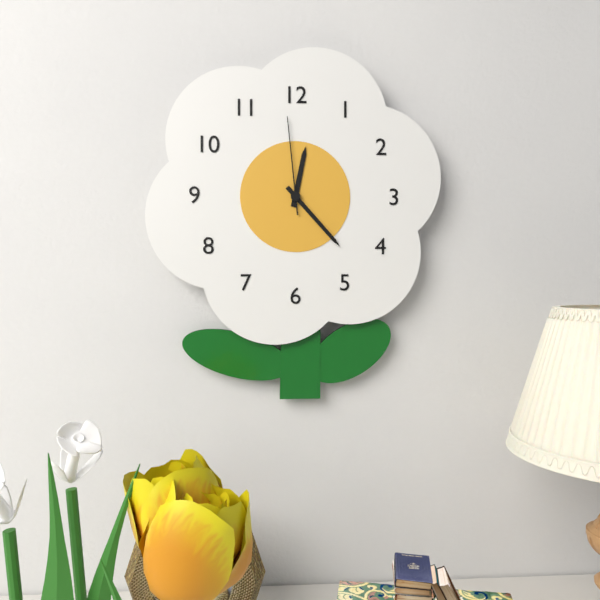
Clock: 12 h 23 min 59 s
